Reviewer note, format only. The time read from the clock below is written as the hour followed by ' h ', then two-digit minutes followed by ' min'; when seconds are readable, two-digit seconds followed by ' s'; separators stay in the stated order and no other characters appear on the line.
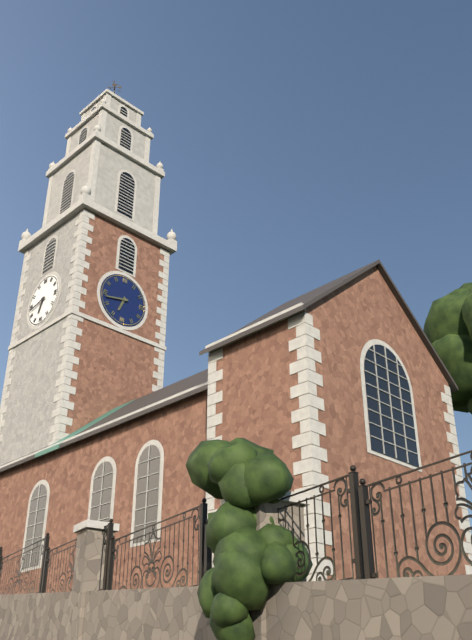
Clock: 6 h 43 min
